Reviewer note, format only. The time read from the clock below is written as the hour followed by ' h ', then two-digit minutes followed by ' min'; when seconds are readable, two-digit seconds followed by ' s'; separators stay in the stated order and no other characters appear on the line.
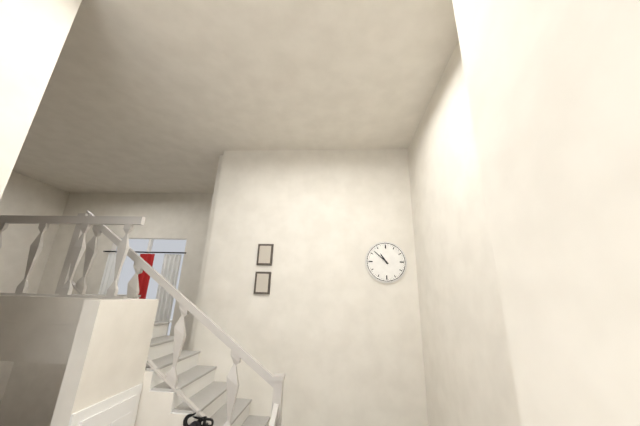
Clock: 10 h 52 min
